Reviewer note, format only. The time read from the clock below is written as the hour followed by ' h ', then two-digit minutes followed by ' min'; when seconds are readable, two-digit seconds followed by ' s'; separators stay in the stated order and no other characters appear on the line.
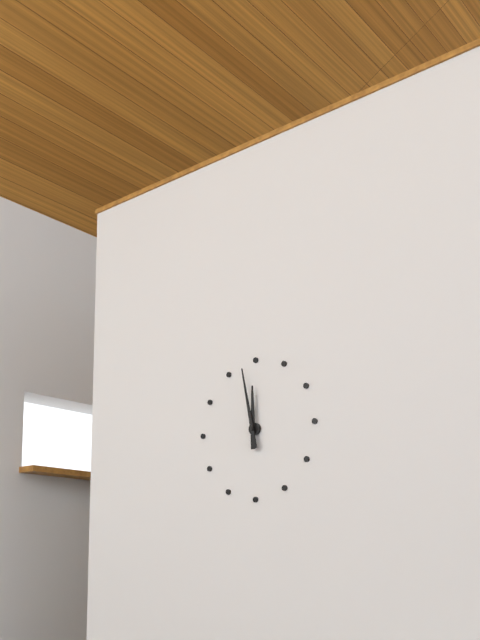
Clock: 11 h 58 min
